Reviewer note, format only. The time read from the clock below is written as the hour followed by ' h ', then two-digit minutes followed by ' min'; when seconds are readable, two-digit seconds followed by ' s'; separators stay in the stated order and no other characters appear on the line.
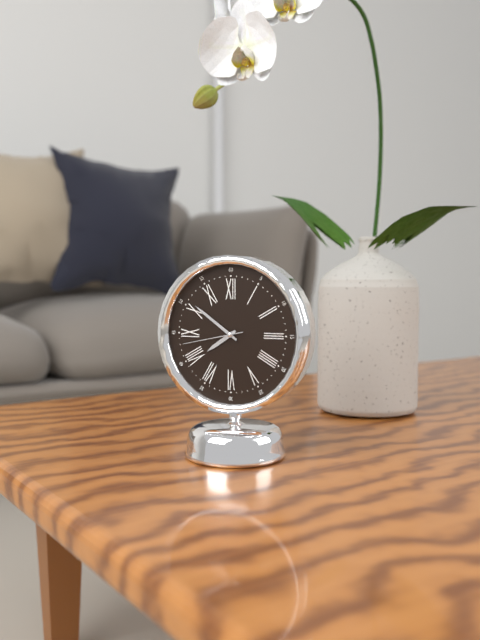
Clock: 7 h 51 min 43 s
